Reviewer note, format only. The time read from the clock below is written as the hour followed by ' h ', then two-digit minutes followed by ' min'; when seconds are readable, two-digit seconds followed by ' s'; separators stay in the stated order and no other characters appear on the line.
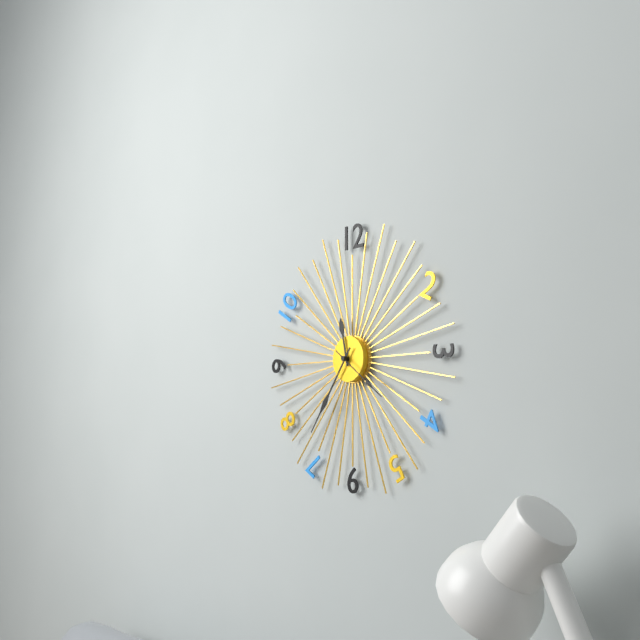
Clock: 11 h 36 min 21 s
